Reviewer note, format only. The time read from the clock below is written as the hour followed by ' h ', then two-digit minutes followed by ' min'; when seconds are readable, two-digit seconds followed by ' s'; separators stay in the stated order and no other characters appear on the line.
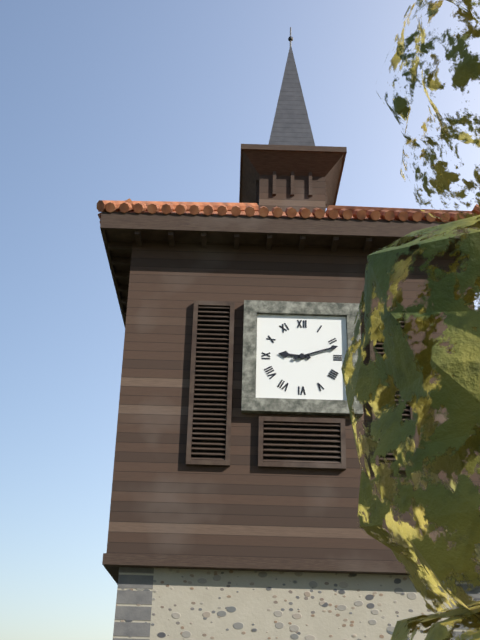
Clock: 9 h 12 min
